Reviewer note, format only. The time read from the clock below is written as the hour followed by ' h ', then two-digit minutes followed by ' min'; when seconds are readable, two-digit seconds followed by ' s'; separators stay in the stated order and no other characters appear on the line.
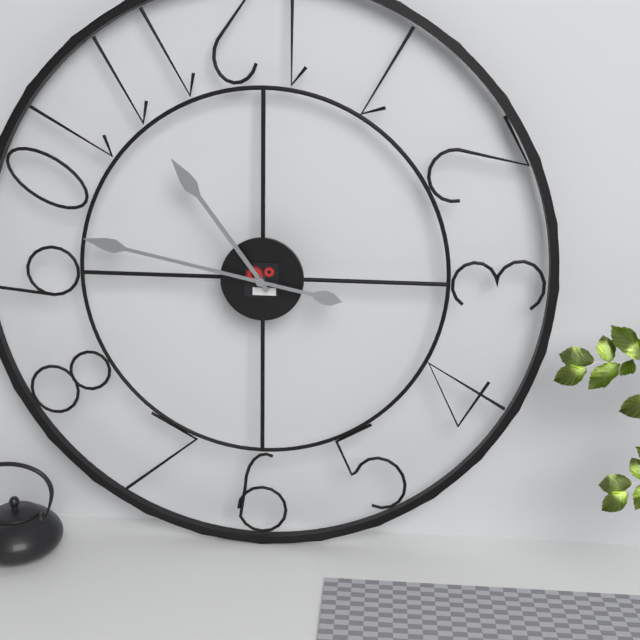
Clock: 10 h 47 min
